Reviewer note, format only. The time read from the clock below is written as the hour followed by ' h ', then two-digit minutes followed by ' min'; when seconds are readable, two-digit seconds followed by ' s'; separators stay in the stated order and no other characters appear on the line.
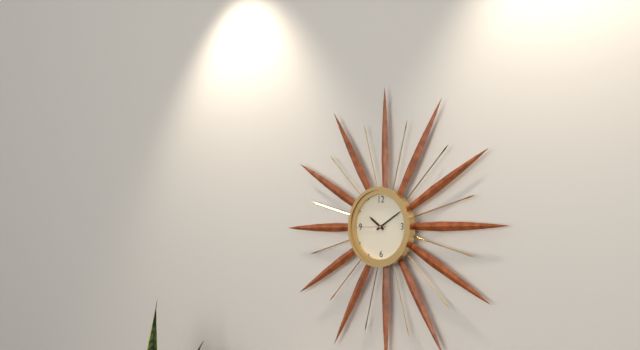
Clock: 10 h 10 min
